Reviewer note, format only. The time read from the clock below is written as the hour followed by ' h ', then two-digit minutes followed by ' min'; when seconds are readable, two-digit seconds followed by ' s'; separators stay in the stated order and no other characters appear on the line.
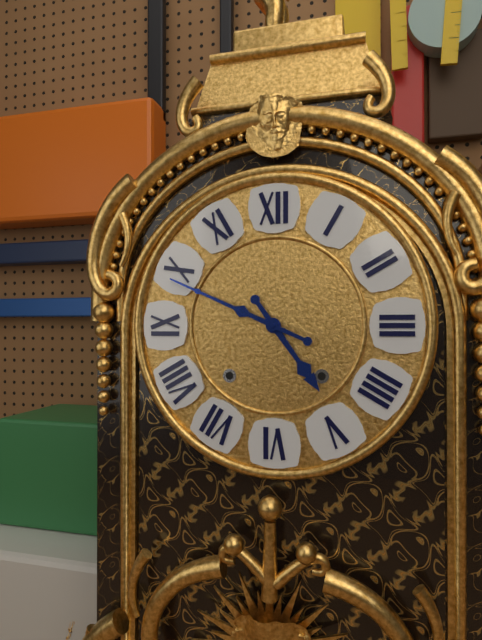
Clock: 4 h 49 min
